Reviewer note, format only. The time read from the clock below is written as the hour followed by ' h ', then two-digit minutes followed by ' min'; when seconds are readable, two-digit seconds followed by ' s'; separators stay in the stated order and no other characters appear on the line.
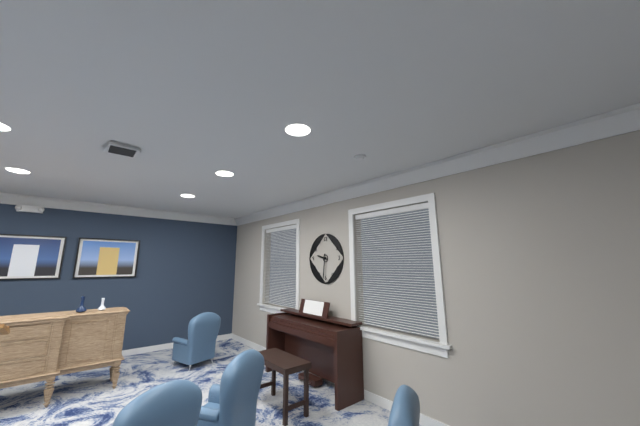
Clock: 9 h 31 min
